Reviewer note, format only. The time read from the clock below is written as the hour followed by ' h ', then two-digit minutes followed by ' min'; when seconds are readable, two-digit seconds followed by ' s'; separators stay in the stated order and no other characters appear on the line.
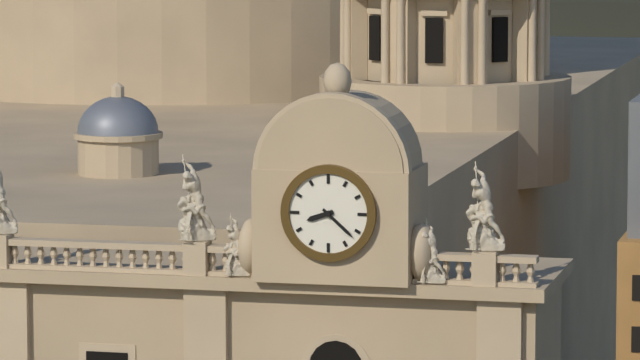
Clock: 8 h 22 min
